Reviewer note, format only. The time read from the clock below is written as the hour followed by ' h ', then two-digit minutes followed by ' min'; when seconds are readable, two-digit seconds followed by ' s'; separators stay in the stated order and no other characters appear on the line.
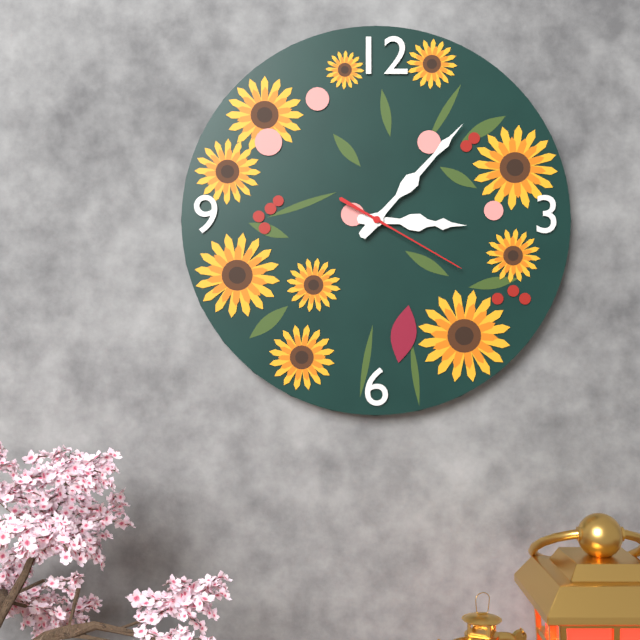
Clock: 3 h 07 min 20 s
